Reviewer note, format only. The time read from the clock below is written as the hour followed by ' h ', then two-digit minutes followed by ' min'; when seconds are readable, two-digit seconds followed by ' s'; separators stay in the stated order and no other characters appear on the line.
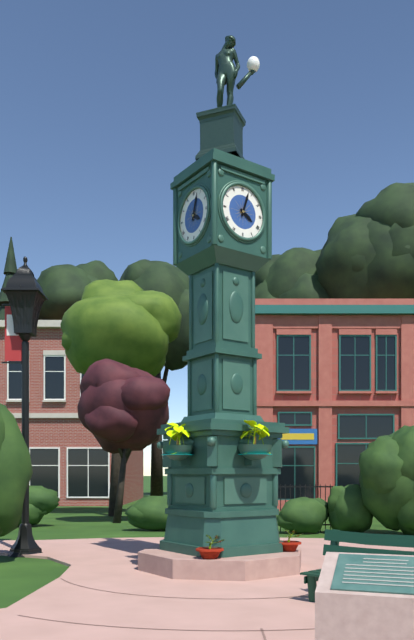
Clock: 4 h 03 min
